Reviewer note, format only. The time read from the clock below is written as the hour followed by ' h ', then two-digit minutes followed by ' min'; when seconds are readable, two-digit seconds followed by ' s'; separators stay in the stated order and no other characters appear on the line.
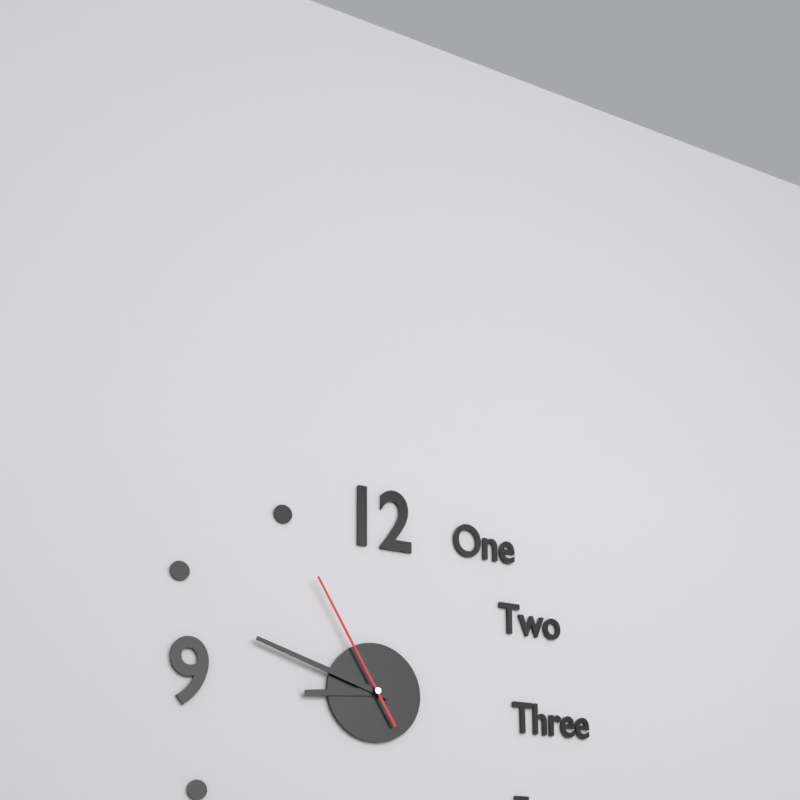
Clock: 8 h 48 min 55 s
